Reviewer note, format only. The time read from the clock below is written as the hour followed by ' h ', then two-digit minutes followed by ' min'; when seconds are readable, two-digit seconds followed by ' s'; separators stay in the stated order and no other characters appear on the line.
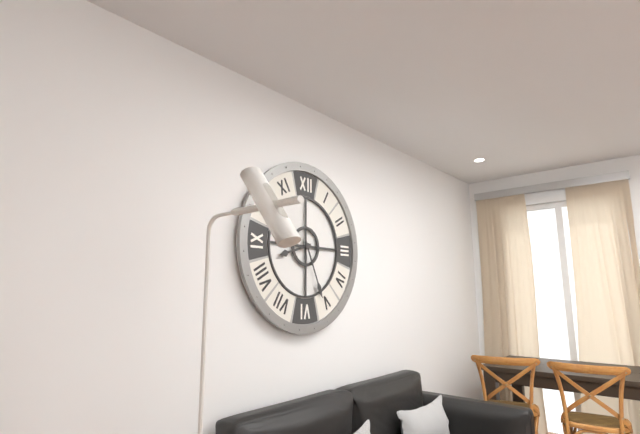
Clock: 8 h 26 min
